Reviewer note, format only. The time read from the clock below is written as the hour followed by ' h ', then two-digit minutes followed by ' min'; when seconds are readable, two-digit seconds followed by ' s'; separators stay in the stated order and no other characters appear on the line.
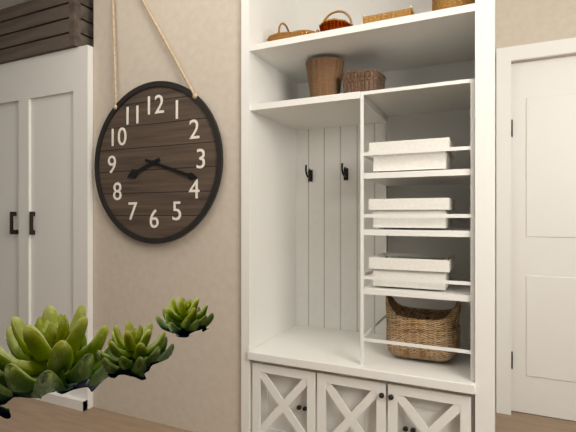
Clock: 8 h 18 min
